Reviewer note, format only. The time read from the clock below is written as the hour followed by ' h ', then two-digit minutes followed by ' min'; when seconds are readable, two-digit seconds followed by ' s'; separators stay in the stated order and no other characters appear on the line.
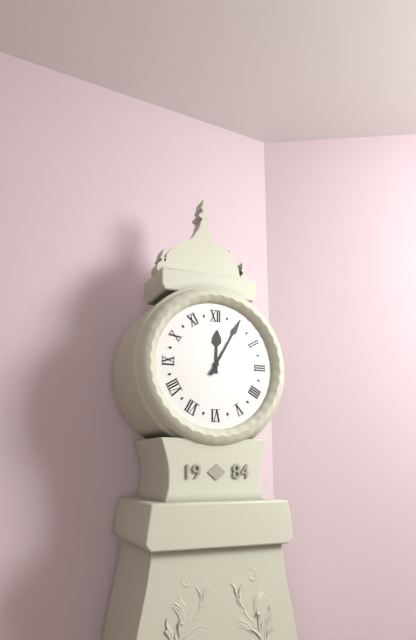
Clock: 12 h 05 min
